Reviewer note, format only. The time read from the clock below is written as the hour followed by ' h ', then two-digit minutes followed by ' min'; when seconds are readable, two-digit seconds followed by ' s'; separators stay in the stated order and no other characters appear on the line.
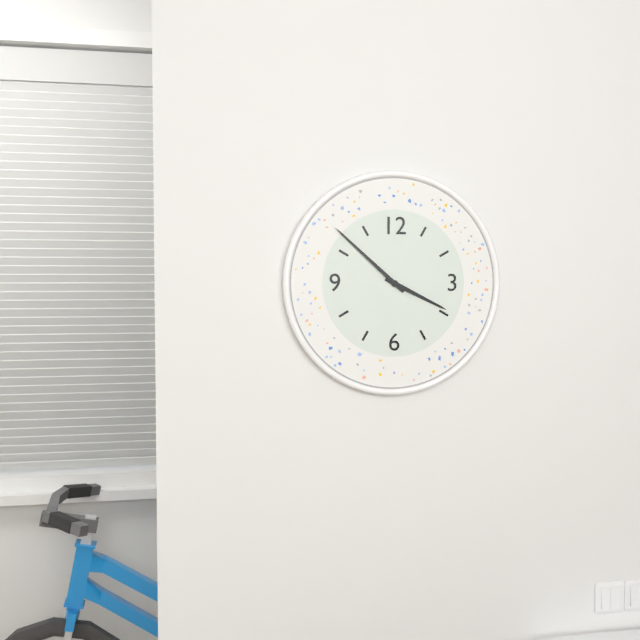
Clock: 3 h 52 min
